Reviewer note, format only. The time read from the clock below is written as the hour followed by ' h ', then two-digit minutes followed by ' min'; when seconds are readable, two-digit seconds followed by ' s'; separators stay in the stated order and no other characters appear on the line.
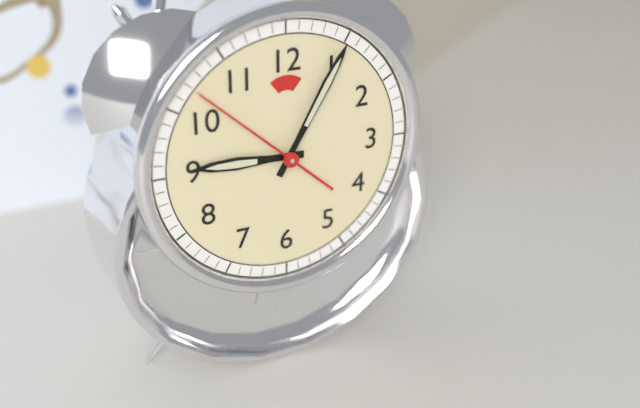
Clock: 9 h 05 min 52 s
